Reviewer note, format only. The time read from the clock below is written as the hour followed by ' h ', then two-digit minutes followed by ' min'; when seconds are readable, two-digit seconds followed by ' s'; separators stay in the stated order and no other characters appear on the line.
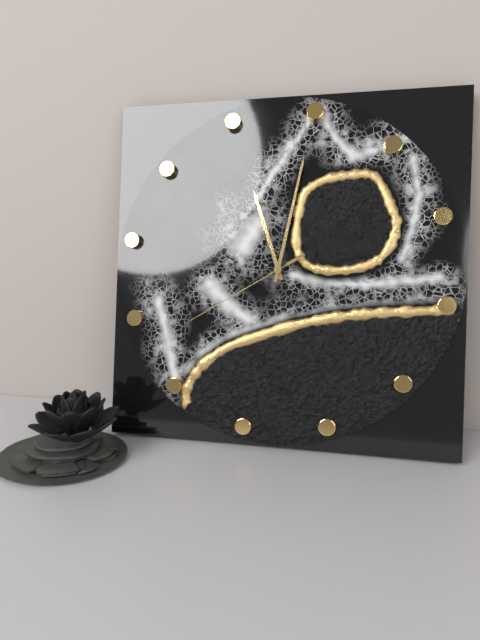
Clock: 11 h 00 min 38 s
